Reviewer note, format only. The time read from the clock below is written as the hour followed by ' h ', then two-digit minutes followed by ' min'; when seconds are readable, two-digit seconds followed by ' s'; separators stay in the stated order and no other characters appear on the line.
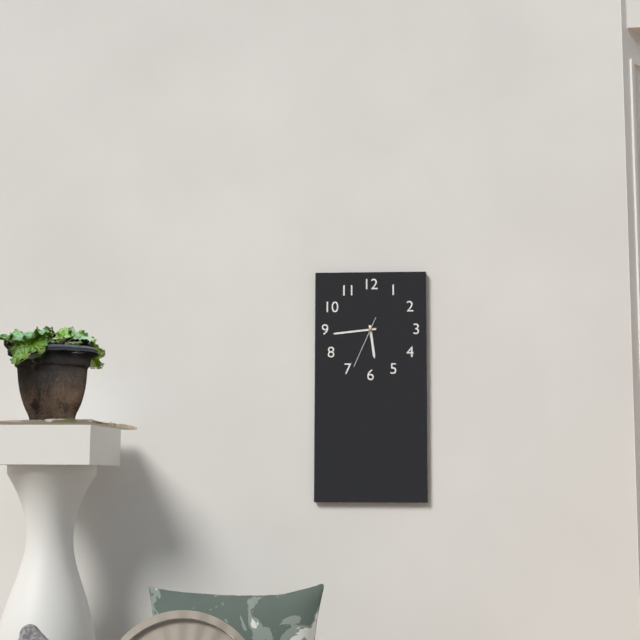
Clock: 5 h 44 min 34 s
